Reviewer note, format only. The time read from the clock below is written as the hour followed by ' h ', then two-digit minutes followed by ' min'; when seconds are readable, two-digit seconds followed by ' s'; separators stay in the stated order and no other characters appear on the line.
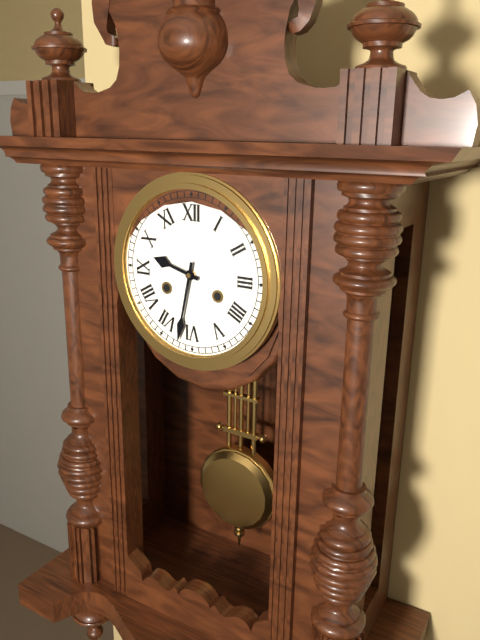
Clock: 9 h 32 min
